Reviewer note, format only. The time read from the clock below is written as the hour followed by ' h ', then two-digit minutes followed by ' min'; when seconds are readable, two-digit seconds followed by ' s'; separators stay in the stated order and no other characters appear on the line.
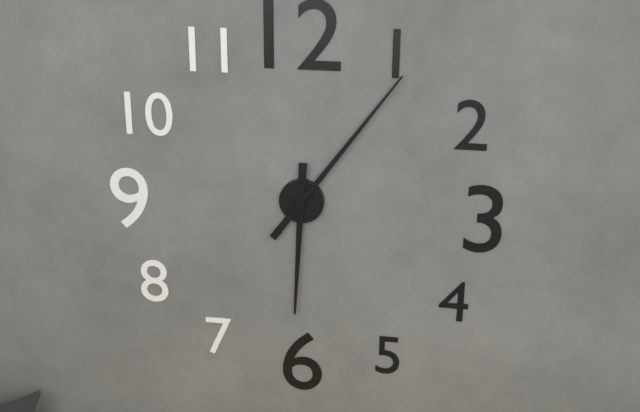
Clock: 6 h 06 min
